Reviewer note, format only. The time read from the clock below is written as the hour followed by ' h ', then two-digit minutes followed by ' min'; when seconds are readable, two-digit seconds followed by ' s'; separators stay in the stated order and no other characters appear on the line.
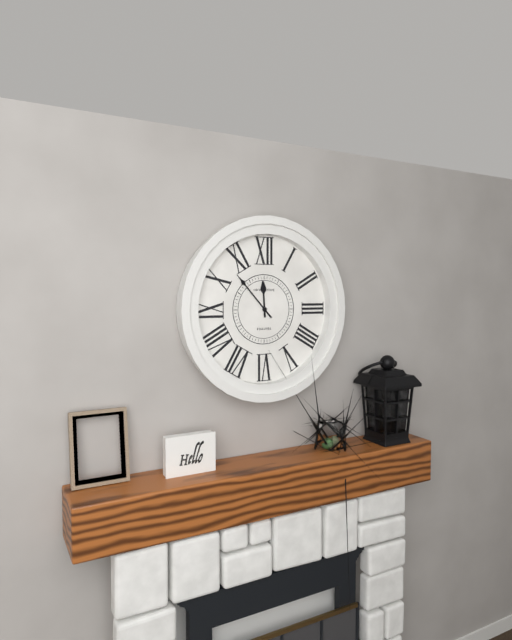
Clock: 11 h 53 min
